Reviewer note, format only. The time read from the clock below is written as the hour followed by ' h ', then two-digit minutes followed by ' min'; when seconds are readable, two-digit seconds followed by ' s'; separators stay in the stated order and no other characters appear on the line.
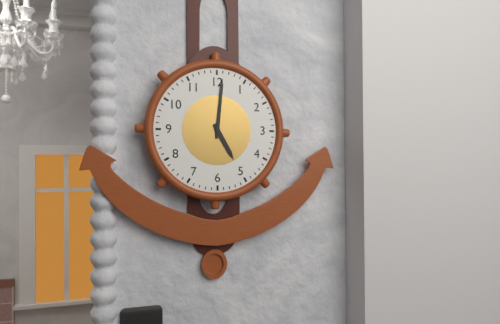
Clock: 5 h 01 min
